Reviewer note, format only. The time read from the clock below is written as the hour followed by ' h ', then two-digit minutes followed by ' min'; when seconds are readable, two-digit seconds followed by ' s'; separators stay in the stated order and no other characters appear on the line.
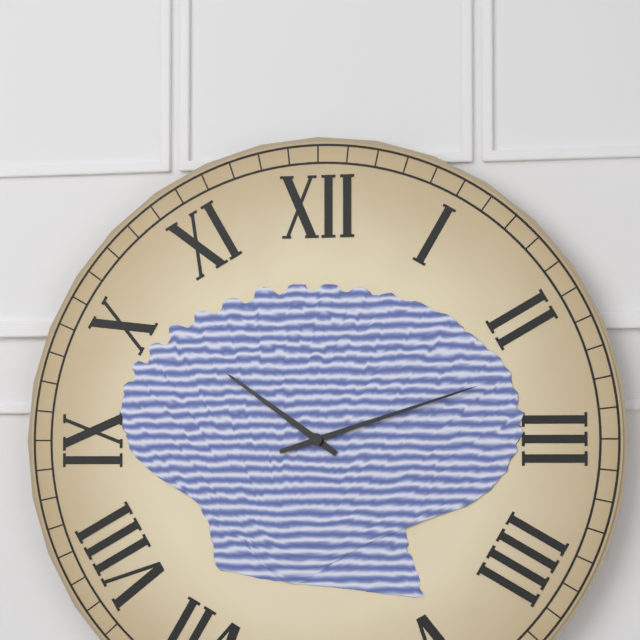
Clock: 10 h 12 min
